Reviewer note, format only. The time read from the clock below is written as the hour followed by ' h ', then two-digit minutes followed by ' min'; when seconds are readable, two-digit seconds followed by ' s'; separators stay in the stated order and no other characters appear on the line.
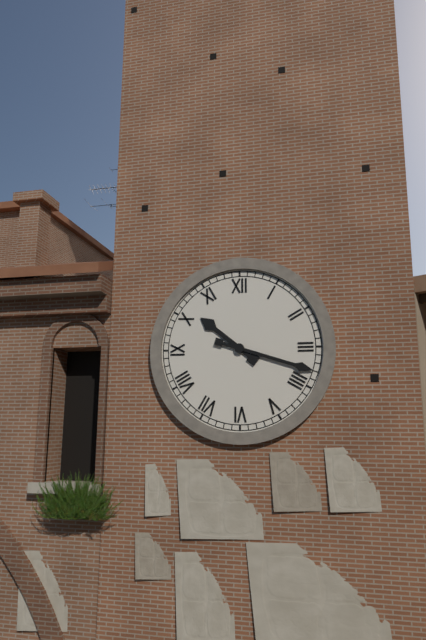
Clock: 10 h 18 min
